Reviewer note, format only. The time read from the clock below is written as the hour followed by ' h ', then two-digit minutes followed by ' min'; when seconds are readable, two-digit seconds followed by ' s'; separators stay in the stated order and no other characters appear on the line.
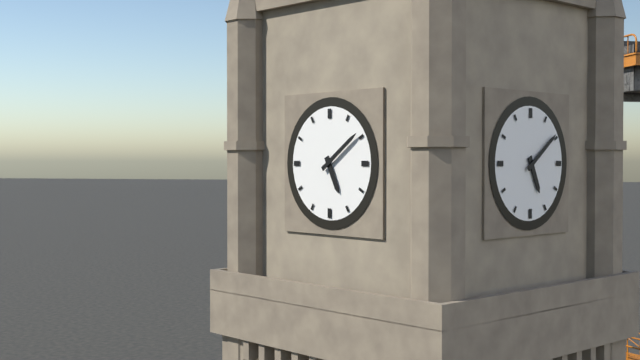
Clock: 5 h 09 min
